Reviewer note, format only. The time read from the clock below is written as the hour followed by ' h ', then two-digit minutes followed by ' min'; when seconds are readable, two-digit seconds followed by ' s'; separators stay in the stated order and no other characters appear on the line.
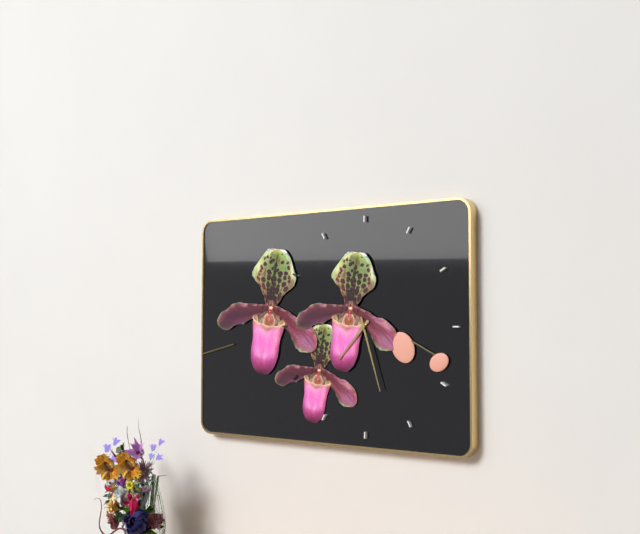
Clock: 7 h 27 min
